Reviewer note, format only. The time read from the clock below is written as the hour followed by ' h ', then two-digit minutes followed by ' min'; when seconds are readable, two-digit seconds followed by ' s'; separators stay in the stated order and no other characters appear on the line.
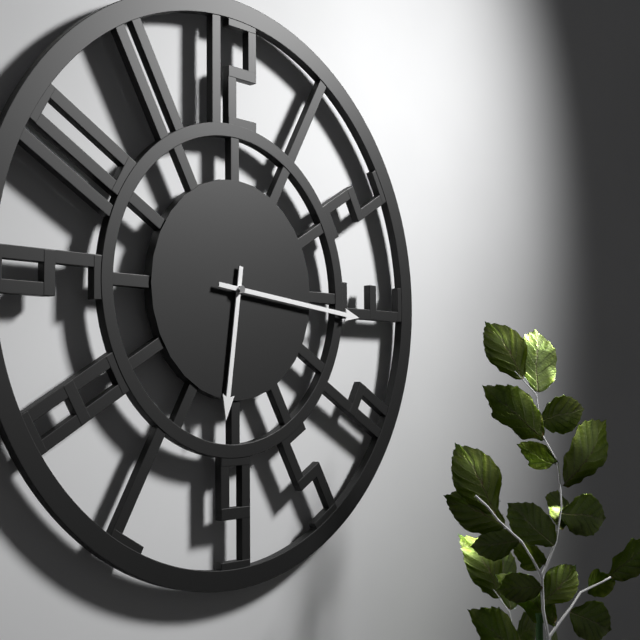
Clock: 6 h 16 min
